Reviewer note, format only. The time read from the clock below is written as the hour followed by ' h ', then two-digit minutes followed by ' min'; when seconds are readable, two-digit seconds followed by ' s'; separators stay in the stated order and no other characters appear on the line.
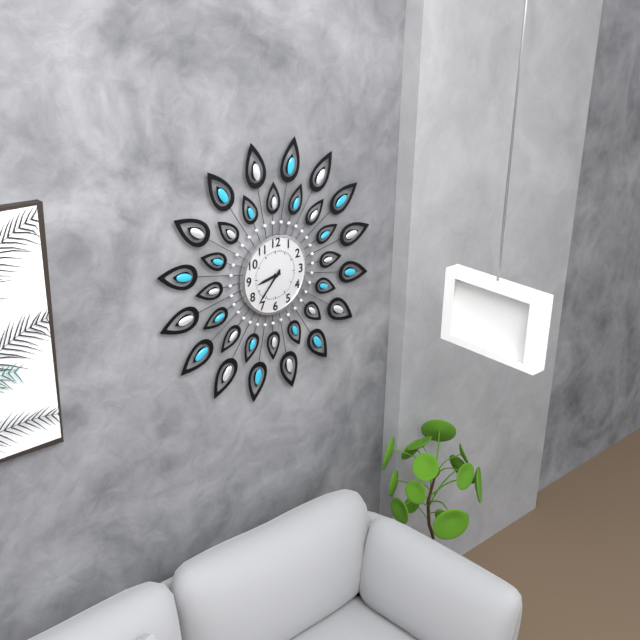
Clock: 8 h 37 min
